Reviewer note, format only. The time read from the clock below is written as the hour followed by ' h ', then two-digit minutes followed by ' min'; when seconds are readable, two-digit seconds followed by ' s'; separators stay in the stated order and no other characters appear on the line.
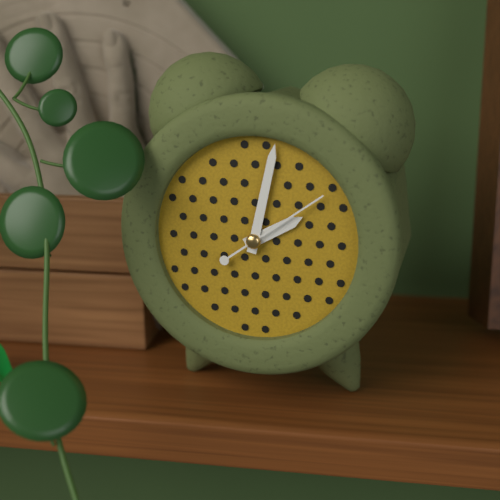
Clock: 2 h 02 min 09 s
